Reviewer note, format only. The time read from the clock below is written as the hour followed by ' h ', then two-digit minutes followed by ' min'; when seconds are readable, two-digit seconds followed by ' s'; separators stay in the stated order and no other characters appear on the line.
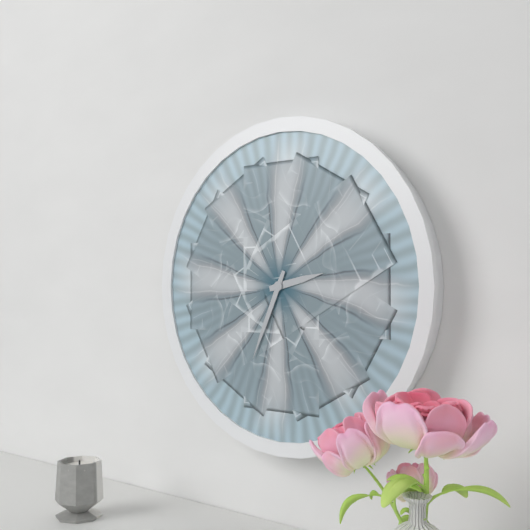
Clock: 2 h 34 min
